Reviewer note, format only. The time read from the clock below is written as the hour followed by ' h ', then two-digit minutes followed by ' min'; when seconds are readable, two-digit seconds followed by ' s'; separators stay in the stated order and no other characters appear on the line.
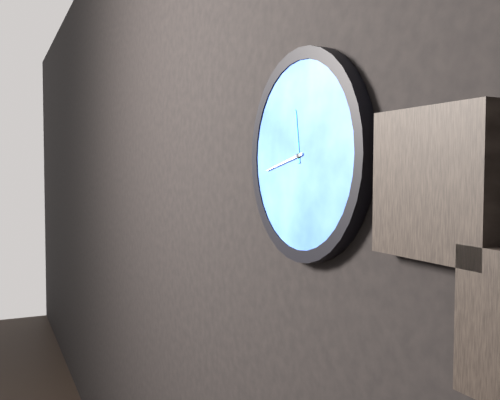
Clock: 11 h 43 min
